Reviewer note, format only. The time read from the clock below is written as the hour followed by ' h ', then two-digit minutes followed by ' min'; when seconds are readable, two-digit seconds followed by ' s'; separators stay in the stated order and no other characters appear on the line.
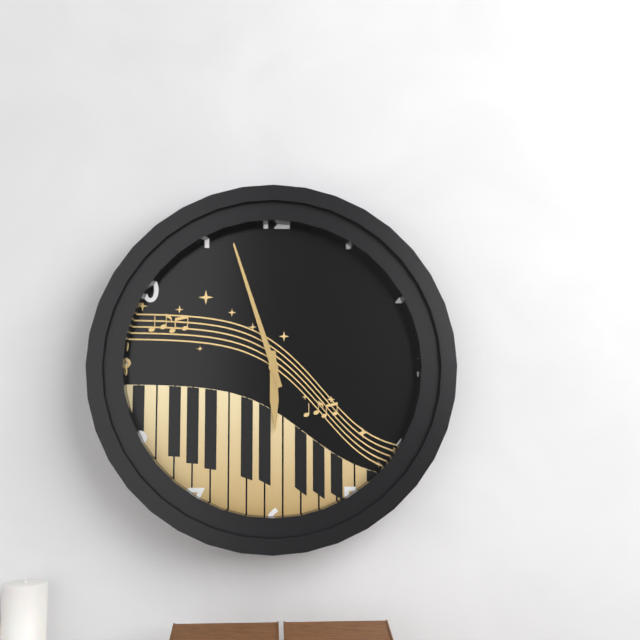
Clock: 5 h 57 min
